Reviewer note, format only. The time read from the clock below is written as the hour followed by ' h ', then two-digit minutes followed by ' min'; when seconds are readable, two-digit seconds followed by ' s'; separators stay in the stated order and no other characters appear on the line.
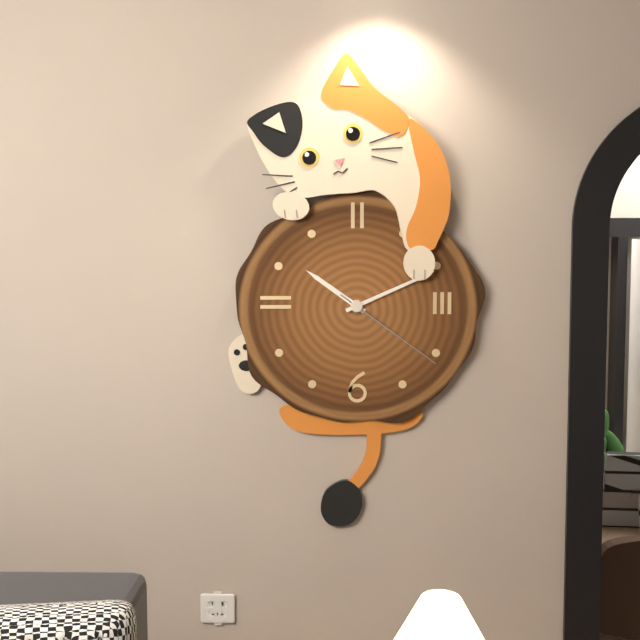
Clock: 10 h 11 min 21 s
